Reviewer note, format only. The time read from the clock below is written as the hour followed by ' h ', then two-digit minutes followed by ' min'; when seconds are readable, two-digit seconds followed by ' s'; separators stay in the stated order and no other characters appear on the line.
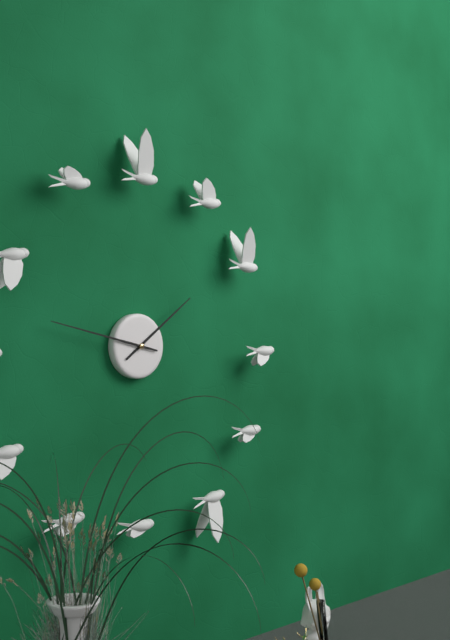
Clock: 1 h 47 min
